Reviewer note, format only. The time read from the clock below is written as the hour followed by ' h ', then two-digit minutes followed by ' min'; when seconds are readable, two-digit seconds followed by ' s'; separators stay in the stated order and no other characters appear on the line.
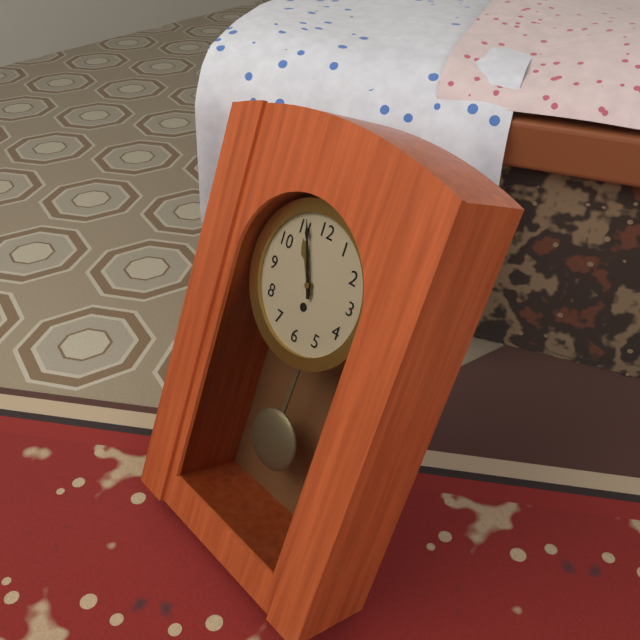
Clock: 10 h 56 min
